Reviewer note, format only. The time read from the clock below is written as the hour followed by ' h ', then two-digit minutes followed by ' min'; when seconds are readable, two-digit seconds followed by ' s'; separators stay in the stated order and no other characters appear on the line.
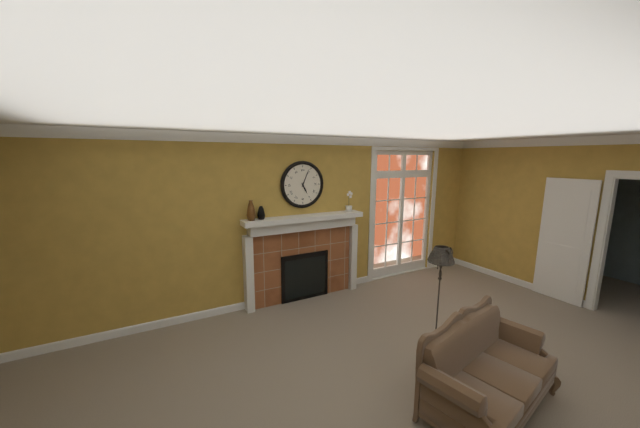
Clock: 5 h 04 min
